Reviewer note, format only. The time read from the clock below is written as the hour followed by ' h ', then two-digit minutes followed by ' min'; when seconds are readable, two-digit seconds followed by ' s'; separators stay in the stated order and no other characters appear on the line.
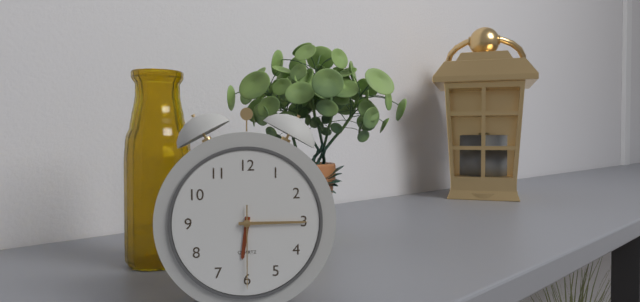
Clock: 6 h 15 min 30 s
